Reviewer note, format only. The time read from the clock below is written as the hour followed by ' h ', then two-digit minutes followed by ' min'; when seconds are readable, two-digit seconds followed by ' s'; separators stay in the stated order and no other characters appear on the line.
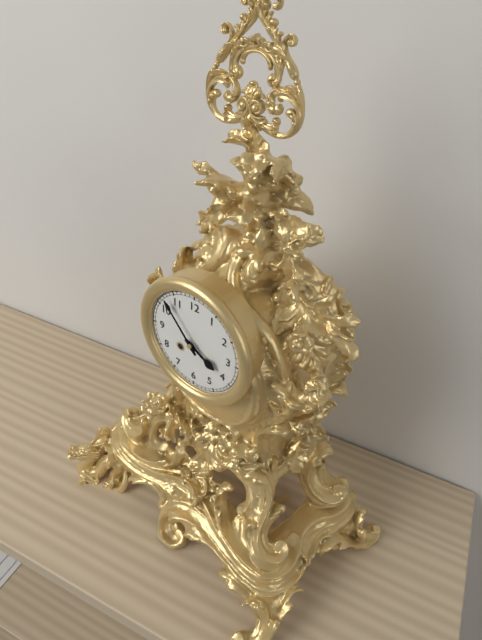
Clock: 3 h 53 min
